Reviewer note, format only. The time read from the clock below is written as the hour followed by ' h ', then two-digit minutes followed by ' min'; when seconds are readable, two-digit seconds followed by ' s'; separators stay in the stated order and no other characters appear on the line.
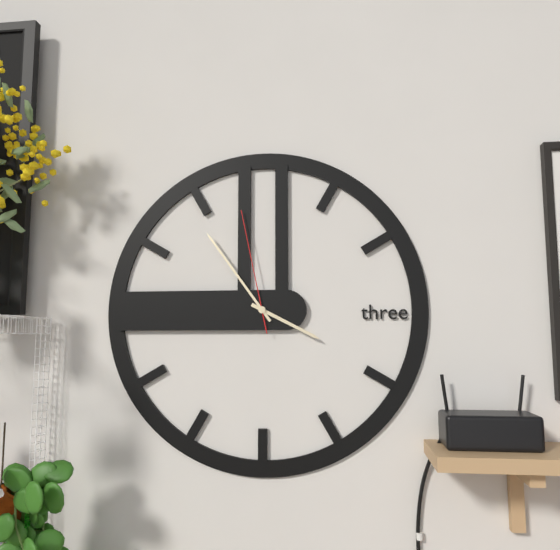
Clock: 3 h 54 min 58 s
